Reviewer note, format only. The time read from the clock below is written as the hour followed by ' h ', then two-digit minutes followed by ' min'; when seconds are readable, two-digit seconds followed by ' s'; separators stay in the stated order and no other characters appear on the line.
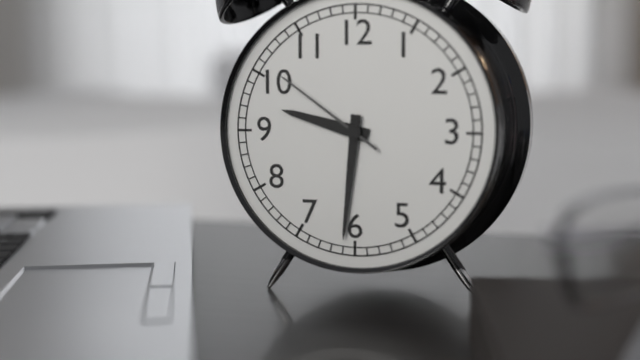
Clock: 9 h 31 min 51 s
